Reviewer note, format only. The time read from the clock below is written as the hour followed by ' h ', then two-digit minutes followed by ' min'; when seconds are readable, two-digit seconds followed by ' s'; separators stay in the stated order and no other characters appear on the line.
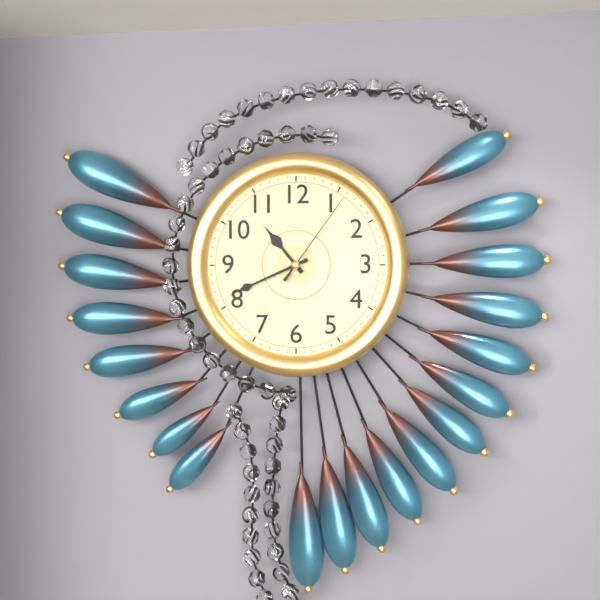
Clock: 10 h 41 min 06 s
